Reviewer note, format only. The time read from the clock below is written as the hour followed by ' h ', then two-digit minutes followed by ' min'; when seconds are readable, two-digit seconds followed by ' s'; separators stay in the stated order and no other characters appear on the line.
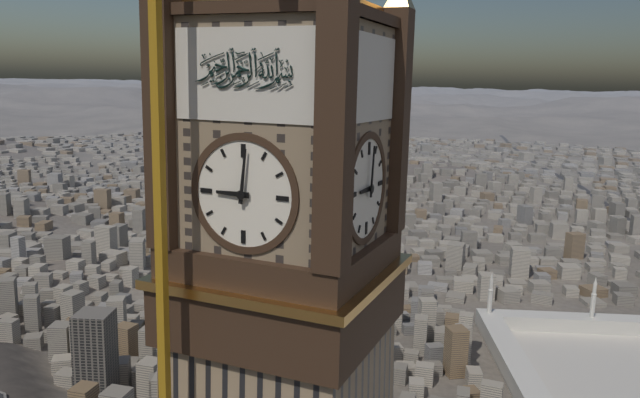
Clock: 9 h 01 min
